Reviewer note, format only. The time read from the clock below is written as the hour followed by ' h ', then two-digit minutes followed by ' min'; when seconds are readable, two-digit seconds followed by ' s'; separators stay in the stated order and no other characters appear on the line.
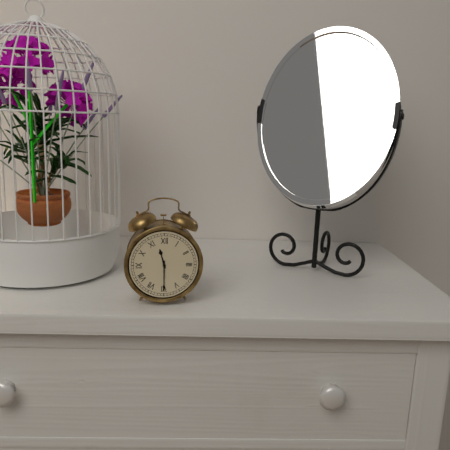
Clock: 11 h 30 min
